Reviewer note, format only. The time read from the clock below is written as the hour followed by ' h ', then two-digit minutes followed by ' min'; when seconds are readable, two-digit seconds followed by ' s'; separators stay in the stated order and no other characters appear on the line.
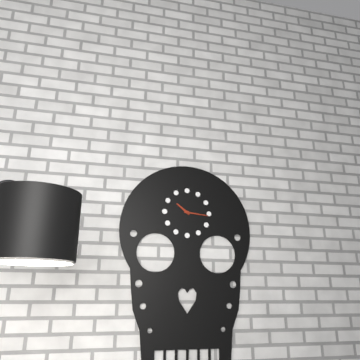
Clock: 10 h 16 min
